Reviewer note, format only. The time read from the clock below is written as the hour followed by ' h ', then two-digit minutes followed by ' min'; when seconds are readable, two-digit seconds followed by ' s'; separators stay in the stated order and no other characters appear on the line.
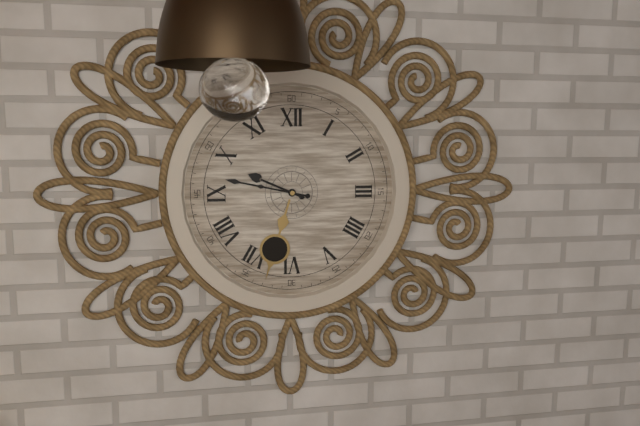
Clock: 9 h 47 min
